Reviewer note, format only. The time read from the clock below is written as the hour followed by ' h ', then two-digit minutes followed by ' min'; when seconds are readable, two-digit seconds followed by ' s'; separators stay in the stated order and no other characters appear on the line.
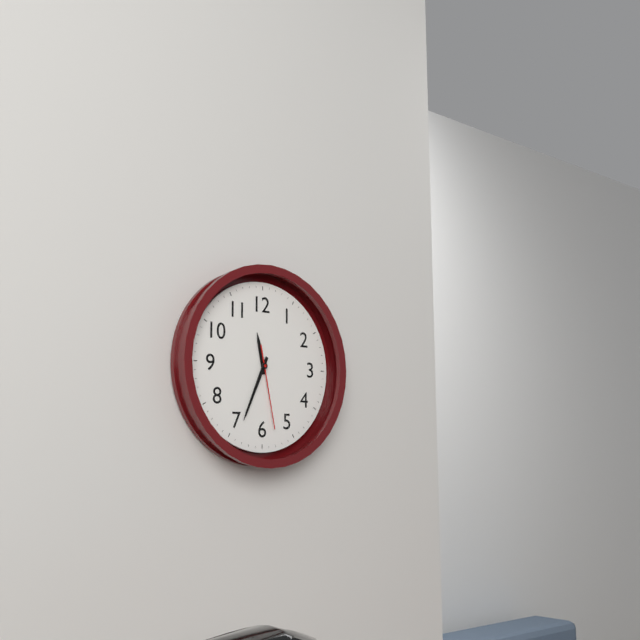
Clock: 11 h 34 min 28 s
